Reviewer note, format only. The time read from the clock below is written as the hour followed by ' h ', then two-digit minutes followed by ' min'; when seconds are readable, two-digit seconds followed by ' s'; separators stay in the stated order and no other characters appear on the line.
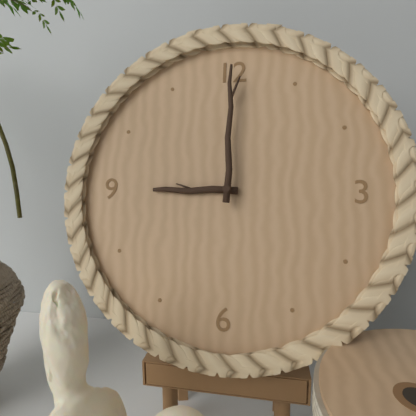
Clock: 9 h 00 min
